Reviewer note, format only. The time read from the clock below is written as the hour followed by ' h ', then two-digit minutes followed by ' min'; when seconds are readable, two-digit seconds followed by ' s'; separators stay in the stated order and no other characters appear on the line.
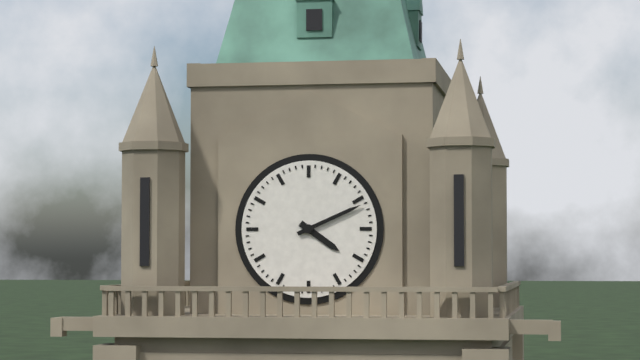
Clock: 4 h 11 min
